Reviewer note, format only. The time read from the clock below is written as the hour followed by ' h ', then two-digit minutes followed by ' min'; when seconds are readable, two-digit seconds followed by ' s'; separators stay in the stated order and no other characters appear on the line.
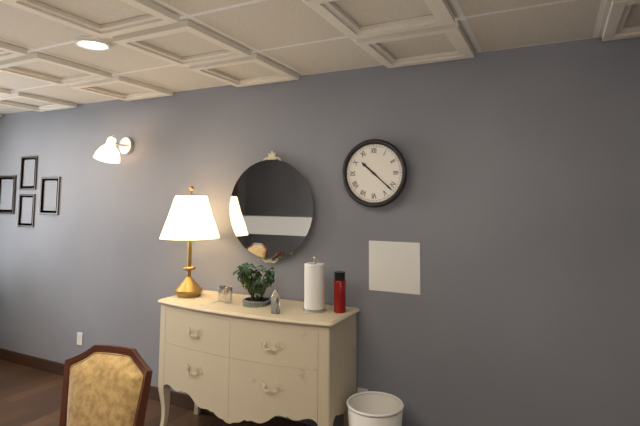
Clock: 10 h 22 min
